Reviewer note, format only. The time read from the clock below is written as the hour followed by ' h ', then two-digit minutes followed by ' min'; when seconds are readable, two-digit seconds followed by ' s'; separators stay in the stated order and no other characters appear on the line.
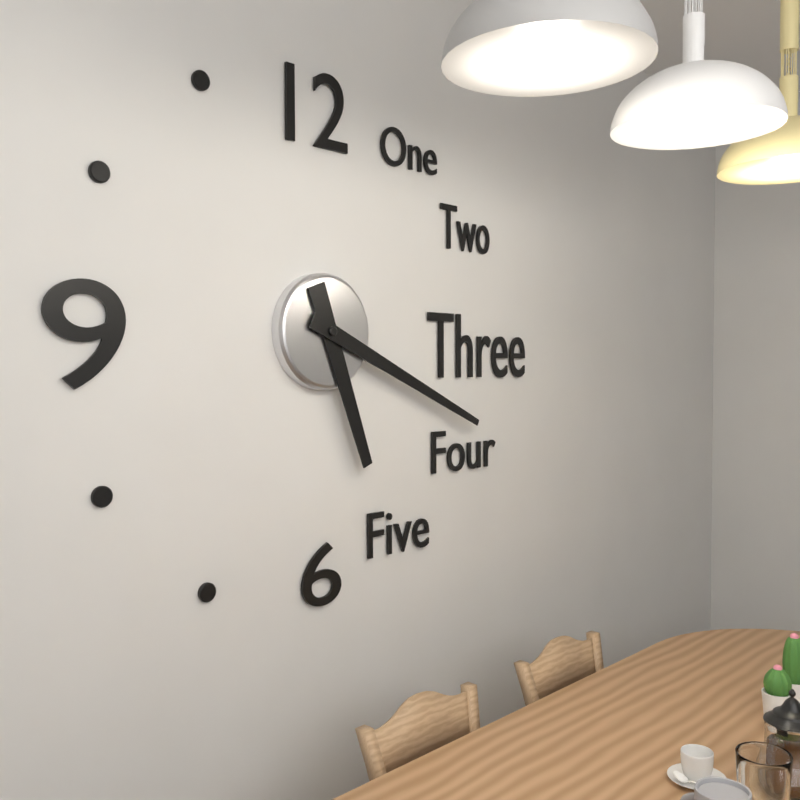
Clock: 5 h 19 min
